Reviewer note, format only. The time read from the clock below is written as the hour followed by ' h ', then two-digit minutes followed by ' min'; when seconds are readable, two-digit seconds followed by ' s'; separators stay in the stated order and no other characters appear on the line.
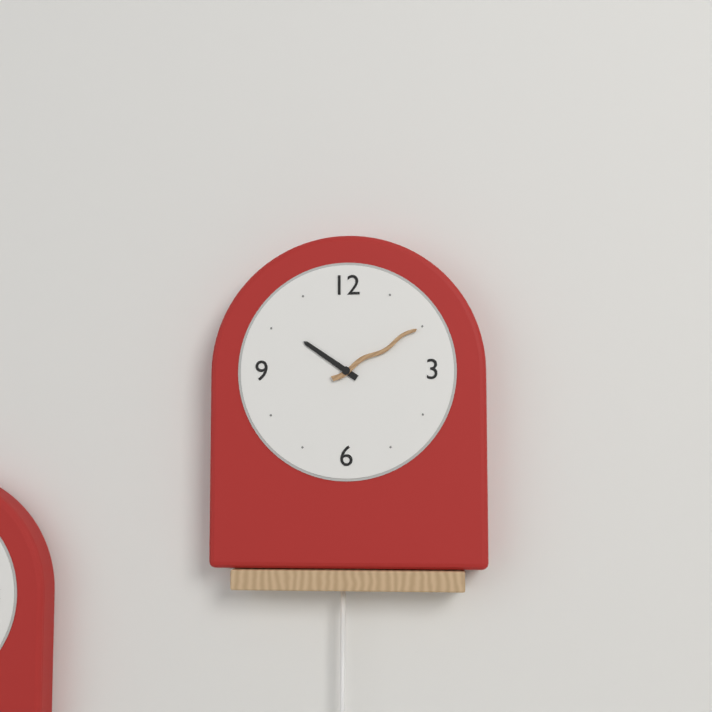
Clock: 10 h 10 min
